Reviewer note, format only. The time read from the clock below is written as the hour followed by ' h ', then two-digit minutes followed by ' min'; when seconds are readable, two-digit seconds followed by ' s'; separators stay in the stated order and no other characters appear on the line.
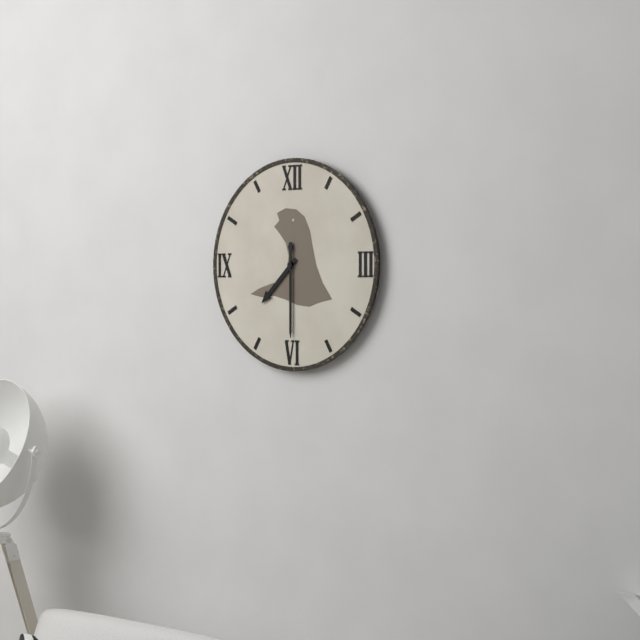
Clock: 7 h 30 min
